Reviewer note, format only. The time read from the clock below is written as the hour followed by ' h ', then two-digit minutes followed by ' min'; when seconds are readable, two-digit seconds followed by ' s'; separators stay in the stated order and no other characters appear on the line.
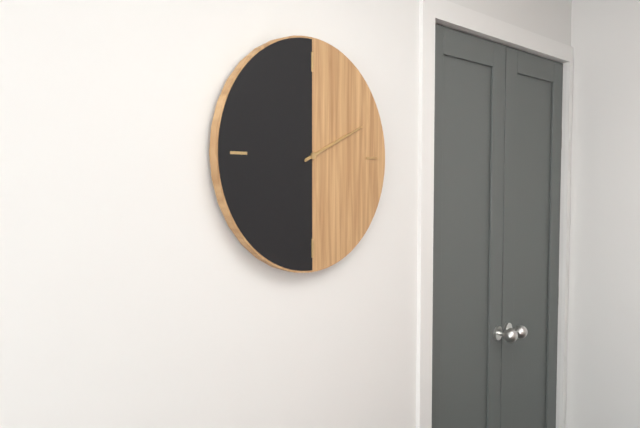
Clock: 2 h 11 min
